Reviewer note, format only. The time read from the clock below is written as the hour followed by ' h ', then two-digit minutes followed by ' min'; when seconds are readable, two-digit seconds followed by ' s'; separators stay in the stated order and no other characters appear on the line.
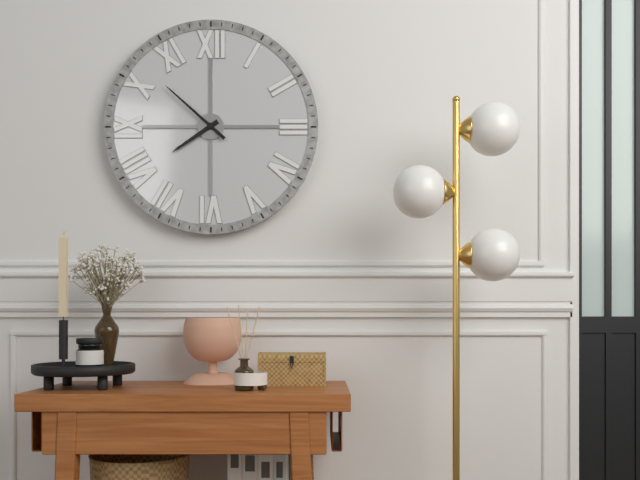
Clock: 7 h 52 min
